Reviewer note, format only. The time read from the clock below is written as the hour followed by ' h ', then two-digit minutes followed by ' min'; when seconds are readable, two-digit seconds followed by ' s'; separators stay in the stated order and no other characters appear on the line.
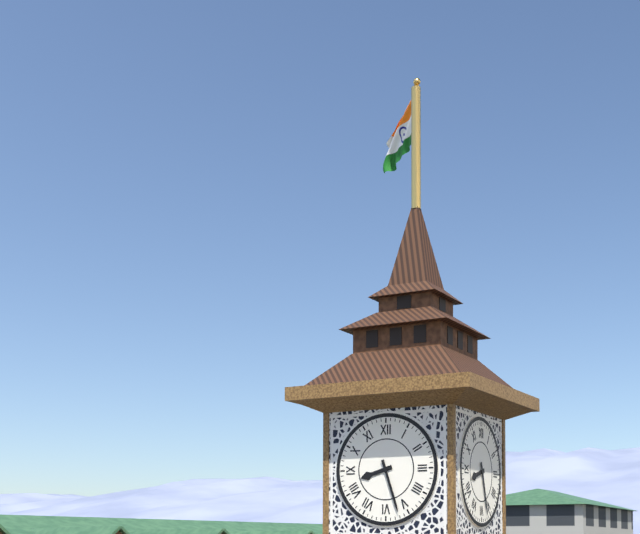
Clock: 8 h 27 min
